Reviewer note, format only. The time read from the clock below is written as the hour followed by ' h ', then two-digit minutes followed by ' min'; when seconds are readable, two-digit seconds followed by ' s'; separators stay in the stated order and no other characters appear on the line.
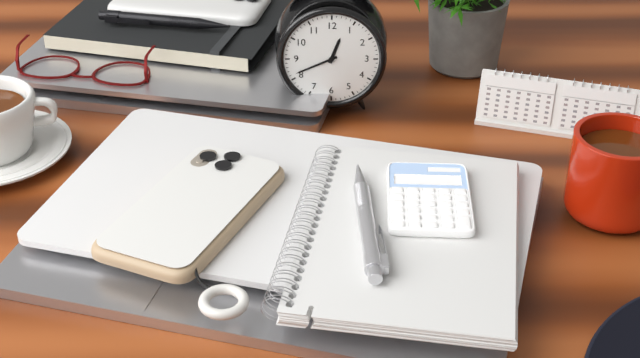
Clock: 12 h 41 min
